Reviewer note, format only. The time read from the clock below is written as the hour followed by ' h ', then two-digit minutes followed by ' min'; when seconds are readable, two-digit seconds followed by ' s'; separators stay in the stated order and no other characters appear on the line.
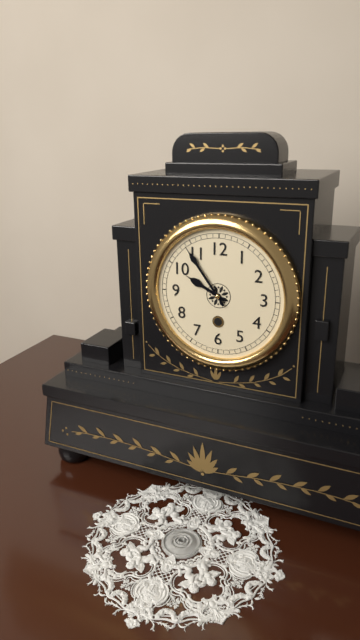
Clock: 9 h 54 min
